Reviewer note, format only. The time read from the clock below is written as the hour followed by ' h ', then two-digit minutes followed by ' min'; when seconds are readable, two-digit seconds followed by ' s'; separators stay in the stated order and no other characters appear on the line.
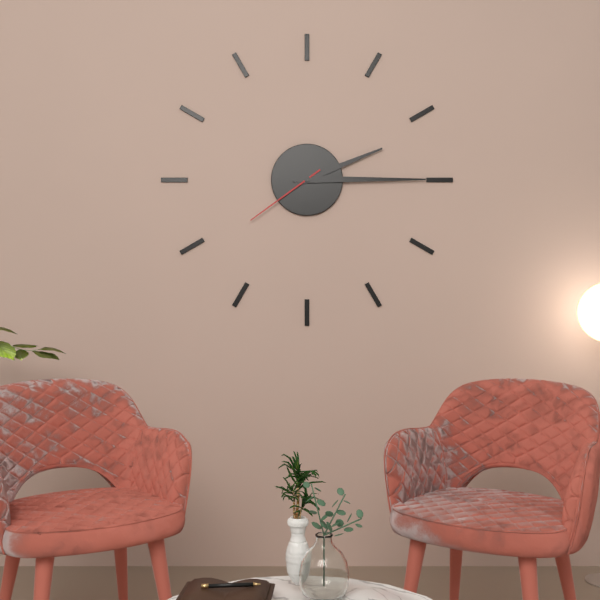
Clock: 2 h 15 min 39 s
